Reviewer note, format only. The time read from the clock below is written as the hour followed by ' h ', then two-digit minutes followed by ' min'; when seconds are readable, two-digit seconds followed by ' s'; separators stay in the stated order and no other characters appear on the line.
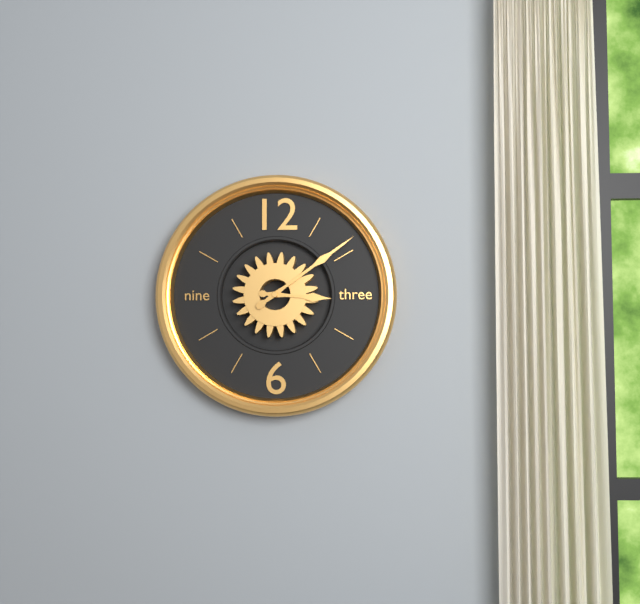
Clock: 3 h 09 min
